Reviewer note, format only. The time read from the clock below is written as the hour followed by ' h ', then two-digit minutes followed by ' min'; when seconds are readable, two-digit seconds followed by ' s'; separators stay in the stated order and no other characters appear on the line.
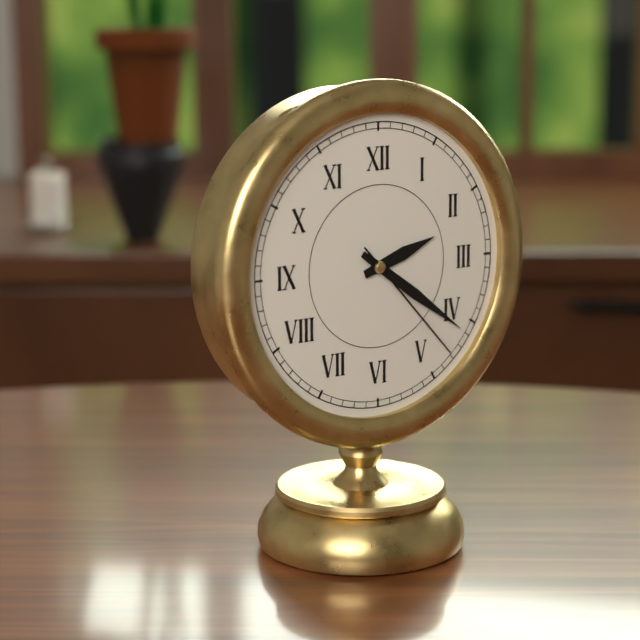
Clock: 2 h 21 min 23 s
